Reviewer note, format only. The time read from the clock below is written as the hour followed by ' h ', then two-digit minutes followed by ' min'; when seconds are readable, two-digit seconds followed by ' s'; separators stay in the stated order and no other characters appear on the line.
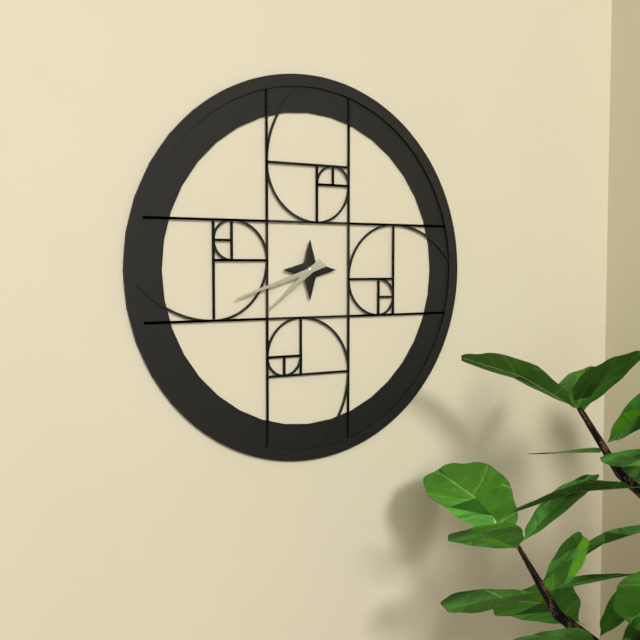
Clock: 7 h 42 min
